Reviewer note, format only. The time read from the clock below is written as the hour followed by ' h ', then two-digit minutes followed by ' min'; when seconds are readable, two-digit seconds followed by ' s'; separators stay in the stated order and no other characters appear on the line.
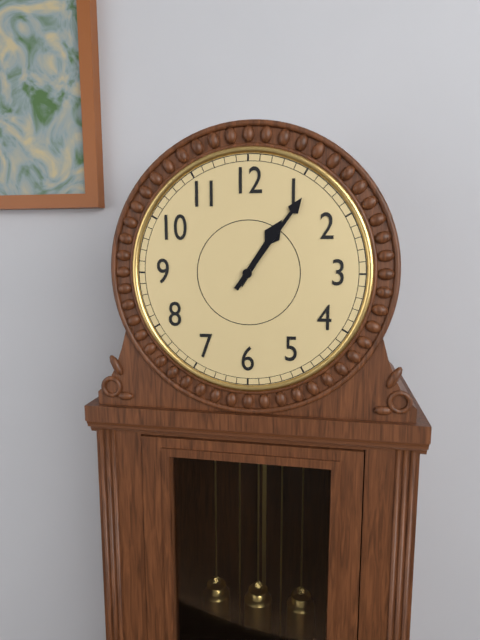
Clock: 1 h 06 min
